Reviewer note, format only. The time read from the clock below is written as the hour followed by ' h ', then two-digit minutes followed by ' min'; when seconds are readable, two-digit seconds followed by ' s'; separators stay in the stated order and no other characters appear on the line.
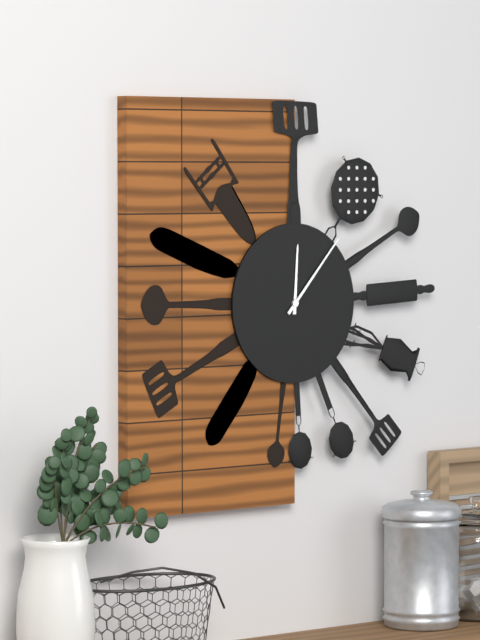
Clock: 12 h 07 min
